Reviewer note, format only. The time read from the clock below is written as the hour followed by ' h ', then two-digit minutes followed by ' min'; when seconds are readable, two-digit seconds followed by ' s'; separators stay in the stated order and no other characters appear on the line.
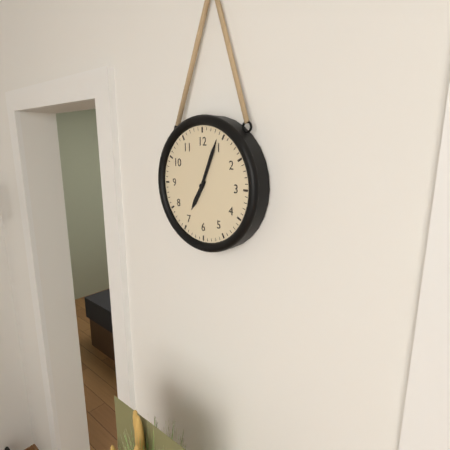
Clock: 7 h 04 min
